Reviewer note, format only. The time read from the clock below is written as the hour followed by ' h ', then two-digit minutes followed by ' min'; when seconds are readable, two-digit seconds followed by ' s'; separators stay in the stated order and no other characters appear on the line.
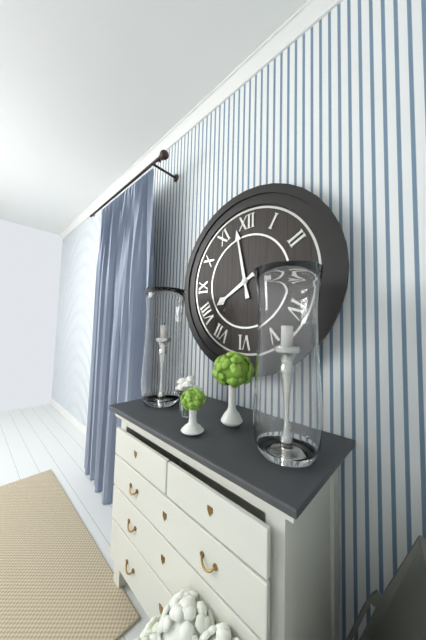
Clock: 7 h 58 min
